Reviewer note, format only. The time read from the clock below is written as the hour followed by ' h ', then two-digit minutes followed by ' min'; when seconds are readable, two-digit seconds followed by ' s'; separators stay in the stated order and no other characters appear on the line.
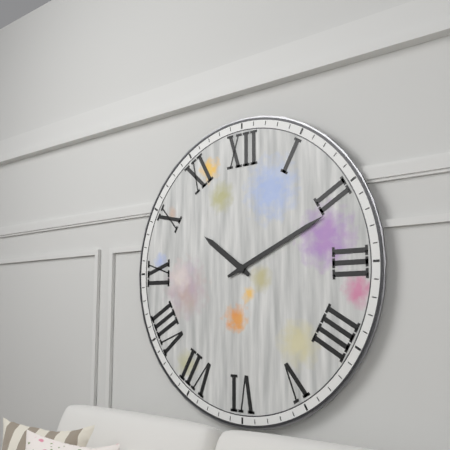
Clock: 10 h 11 min
